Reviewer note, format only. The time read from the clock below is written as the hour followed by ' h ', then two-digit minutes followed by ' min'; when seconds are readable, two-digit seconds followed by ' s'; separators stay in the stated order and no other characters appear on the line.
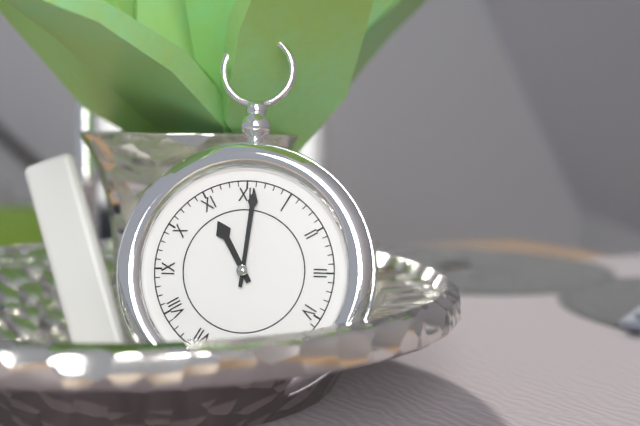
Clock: 11 h 01 min
